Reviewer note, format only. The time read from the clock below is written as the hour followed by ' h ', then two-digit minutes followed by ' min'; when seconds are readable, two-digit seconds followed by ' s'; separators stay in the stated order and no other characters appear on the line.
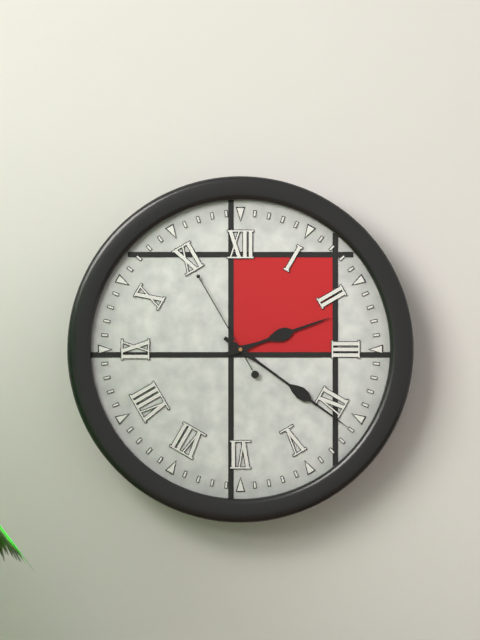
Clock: 2 h 21 min 55 s
